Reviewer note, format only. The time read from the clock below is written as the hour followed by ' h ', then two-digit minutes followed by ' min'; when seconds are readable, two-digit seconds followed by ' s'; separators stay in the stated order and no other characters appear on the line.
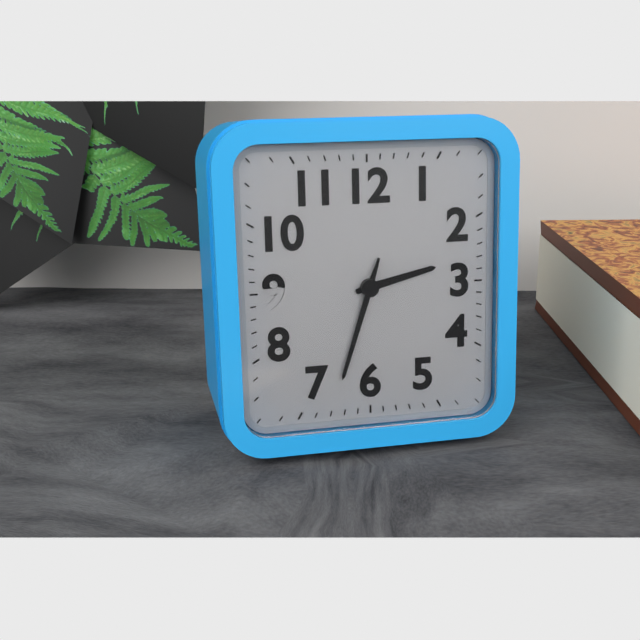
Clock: 2 h 33 min
